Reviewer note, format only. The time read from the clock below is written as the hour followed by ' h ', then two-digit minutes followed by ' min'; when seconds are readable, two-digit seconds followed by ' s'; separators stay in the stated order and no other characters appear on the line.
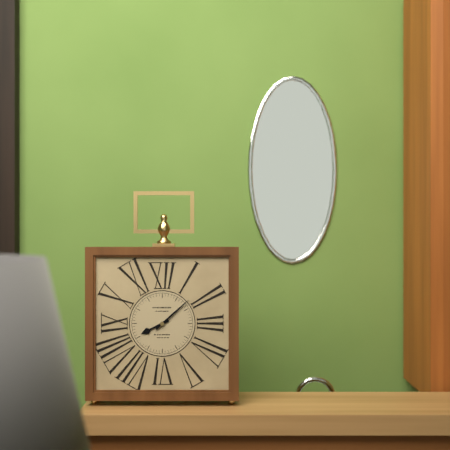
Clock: 8 h 08 min
